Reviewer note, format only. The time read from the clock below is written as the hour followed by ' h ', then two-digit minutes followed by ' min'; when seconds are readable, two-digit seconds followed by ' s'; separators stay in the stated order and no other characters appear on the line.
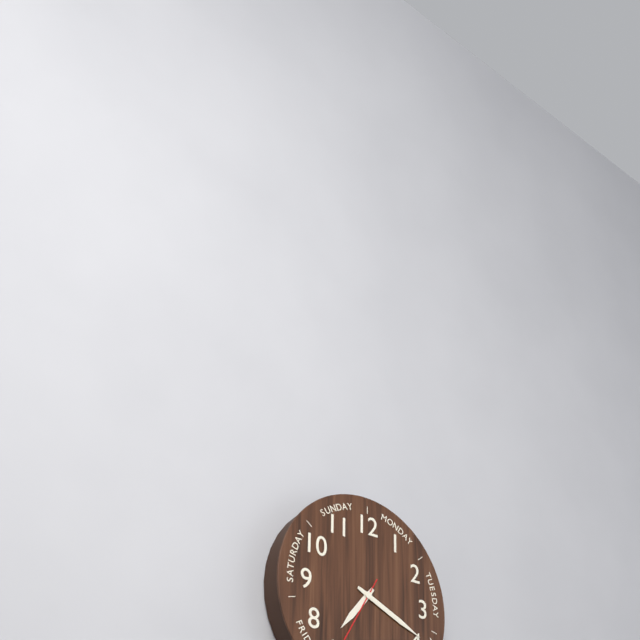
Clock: 7 h 19 min
